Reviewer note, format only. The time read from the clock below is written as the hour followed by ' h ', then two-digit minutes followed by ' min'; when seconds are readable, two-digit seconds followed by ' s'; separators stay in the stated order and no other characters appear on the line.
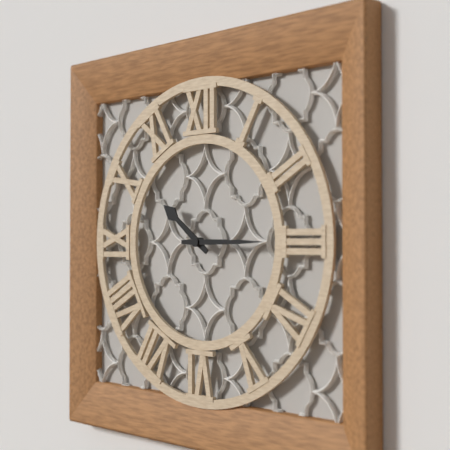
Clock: 10 h 15 min
